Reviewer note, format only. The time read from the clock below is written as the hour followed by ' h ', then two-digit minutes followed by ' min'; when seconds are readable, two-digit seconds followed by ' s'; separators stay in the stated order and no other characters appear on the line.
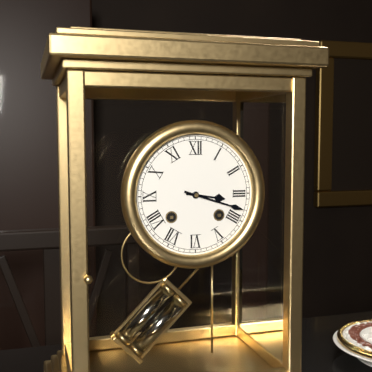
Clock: 3 h 18 min
